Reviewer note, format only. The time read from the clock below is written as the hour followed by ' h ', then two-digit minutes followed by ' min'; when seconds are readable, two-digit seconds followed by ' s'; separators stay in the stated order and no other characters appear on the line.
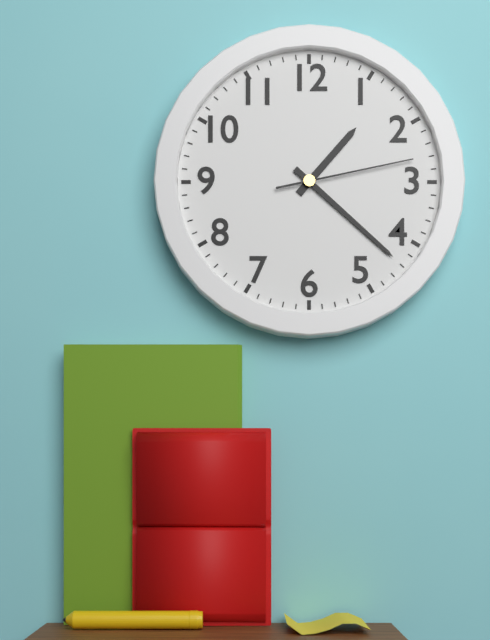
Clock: 1 h 22 min 13 s
